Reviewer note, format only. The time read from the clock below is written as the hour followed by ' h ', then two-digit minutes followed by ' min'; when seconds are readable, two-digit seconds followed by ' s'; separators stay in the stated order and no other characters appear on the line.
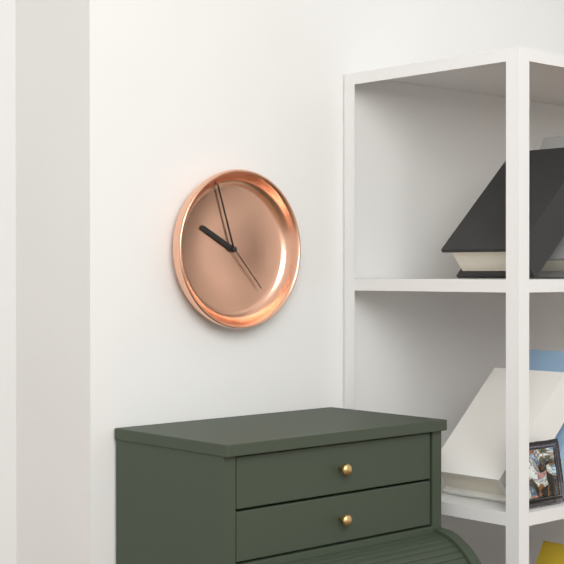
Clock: 9 h 57 min 23 s
